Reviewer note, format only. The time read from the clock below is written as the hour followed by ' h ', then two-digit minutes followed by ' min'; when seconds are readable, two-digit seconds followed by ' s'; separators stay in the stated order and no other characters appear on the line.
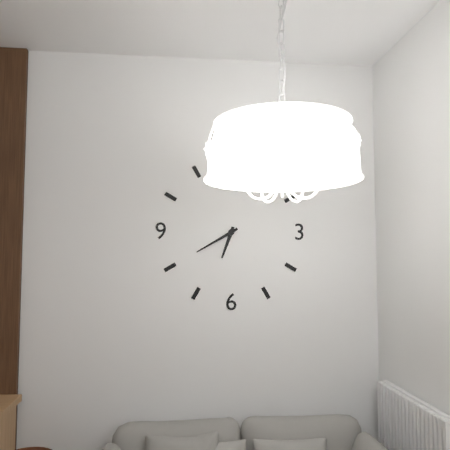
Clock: 6 h 40 min
